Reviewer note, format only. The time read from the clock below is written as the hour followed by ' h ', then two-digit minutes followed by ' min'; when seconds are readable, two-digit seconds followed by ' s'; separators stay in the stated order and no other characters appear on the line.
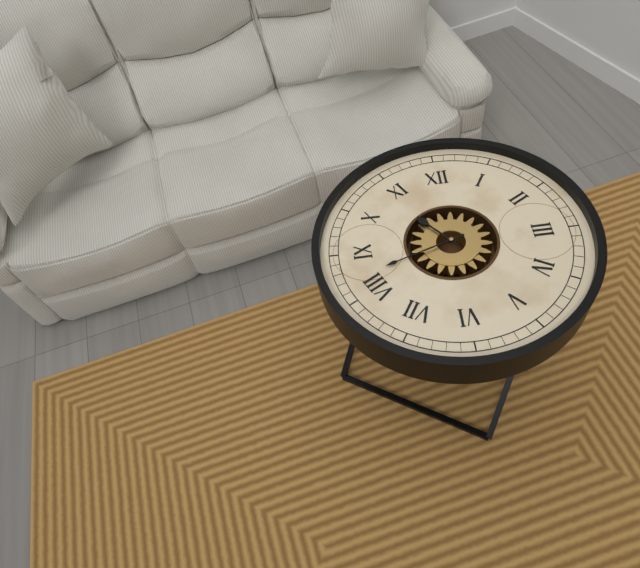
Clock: 10 h 42 min
